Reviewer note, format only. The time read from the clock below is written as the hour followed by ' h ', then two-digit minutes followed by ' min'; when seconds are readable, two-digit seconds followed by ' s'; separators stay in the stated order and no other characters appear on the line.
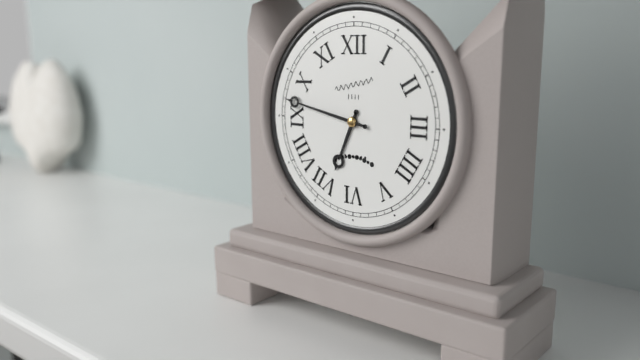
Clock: 6 h 47 min
